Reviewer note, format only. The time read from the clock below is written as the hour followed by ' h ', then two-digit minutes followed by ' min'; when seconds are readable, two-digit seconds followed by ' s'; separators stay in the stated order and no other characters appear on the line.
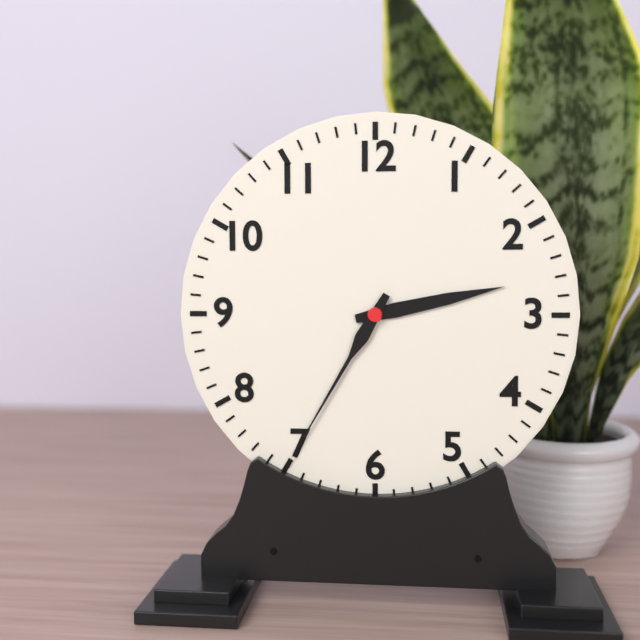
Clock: 2 h 35 min
